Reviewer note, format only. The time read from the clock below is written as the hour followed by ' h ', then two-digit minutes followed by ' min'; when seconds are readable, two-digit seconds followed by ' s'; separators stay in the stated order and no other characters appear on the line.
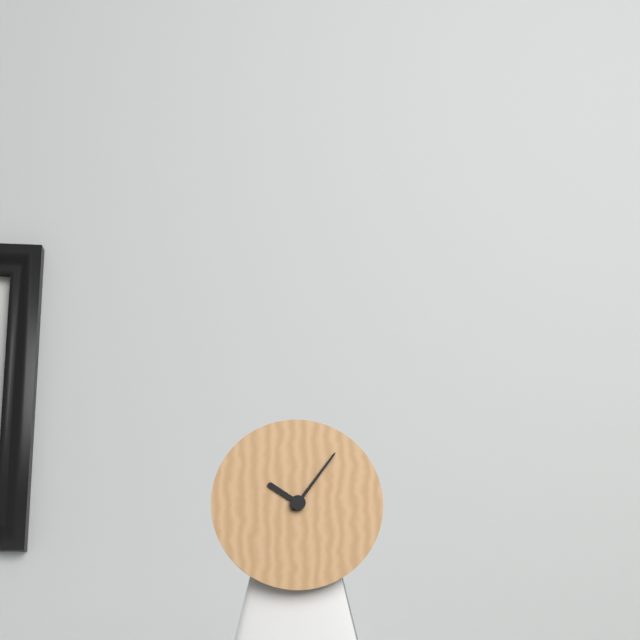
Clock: 10 h 06 min
